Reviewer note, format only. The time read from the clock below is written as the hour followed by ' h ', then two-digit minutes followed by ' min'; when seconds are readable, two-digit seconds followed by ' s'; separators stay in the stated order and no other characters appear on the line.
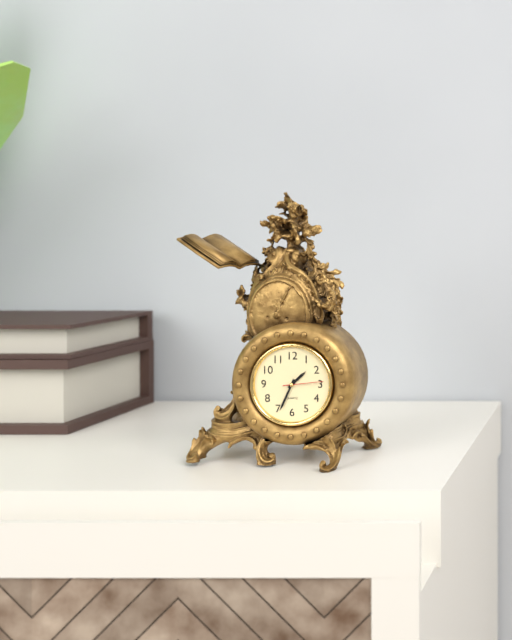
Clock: 1 h 34 min
